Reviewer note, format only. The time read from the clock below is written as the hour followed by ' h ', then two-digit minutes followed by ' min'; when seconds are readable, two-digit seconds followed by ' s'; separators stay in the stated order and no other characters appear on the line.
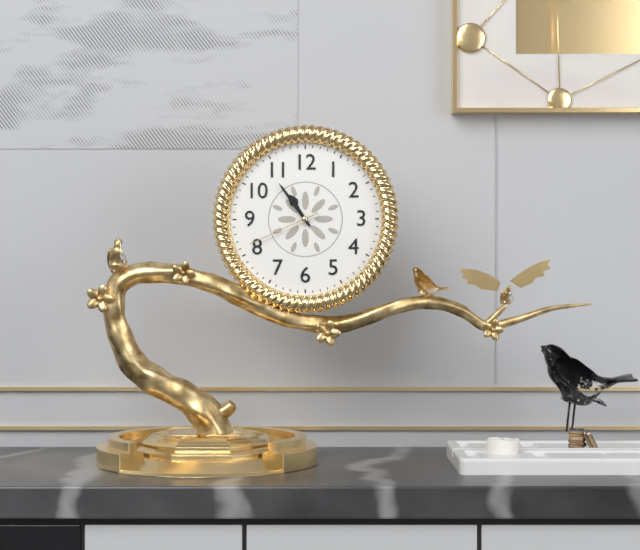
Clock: 10 h 54 min 41 s
